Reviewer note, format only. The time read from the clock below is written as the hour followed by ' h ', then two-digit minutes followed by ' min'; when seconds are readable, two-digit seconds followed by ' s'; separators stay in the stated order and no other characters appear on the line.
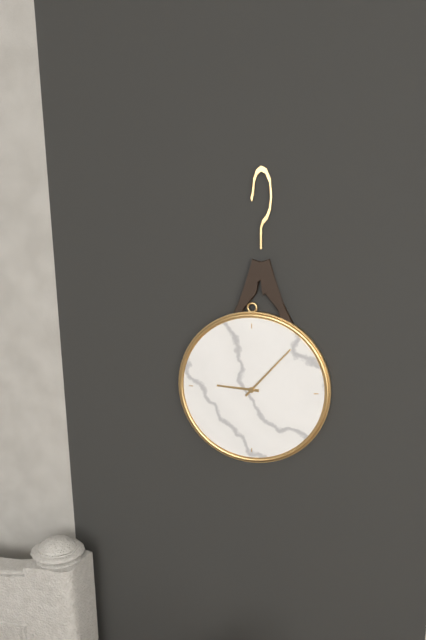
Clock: 9 h 07 min
